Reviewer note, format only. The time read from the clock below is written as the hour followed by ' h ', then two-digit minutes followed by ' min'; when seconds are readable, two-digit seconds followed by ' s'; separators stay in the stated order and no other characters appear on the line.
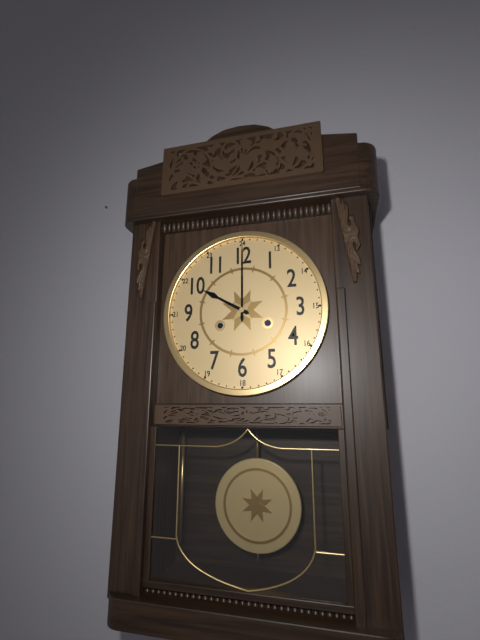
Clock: 10 h 00 min
